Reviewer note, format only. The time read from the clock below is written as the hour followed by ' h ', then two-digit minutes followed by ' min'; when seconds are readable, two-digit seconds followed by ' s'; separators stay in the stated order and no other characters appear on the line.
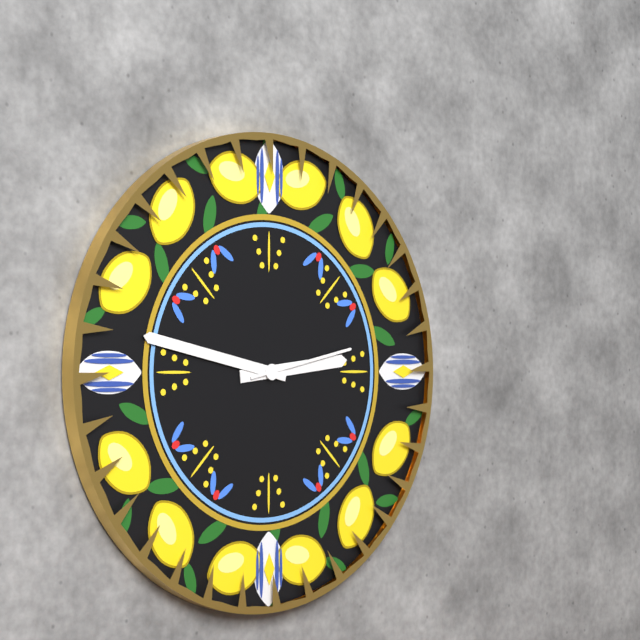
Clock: 2 h 47 min 13 s
